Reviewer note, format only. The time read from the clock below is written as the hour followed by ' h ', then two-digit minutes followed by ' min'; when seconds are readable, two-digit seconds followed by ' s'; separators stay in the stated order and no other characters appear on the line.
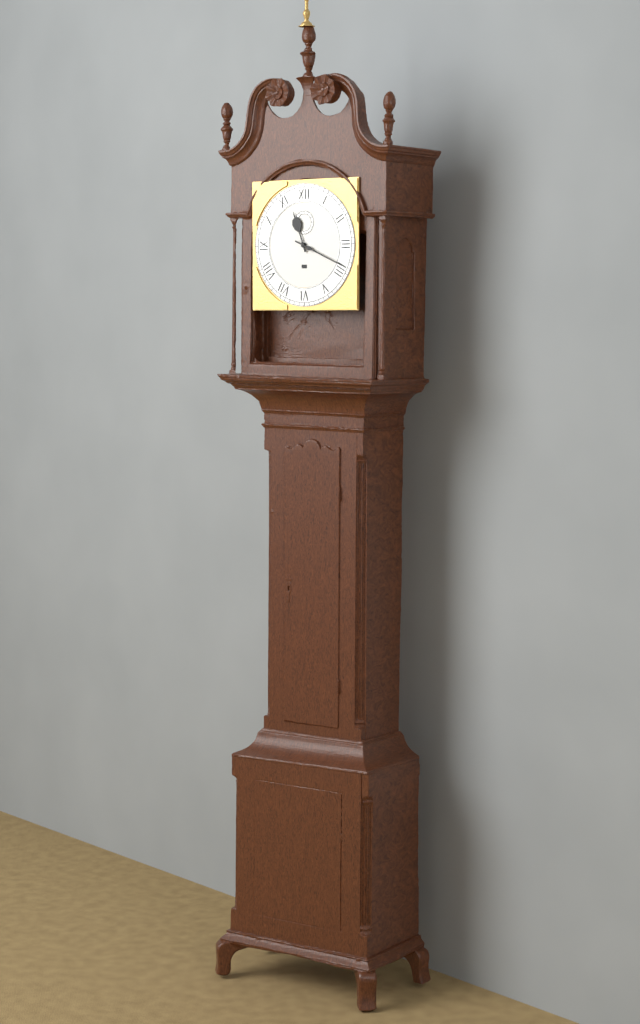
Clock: 11 h 19 min
